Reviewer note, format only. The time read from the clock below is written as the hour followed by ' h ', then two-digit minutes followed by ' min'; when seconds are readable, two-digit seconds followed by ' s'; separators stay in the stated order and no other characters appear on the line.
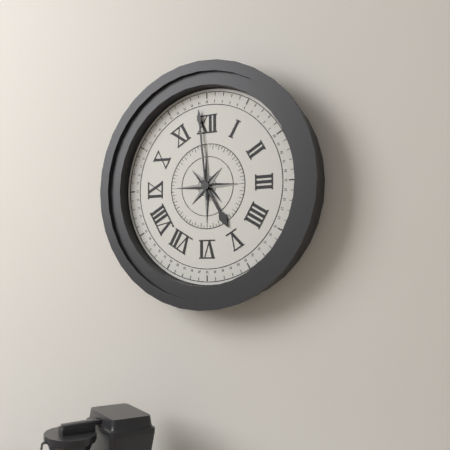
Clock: 4 h 59 min
